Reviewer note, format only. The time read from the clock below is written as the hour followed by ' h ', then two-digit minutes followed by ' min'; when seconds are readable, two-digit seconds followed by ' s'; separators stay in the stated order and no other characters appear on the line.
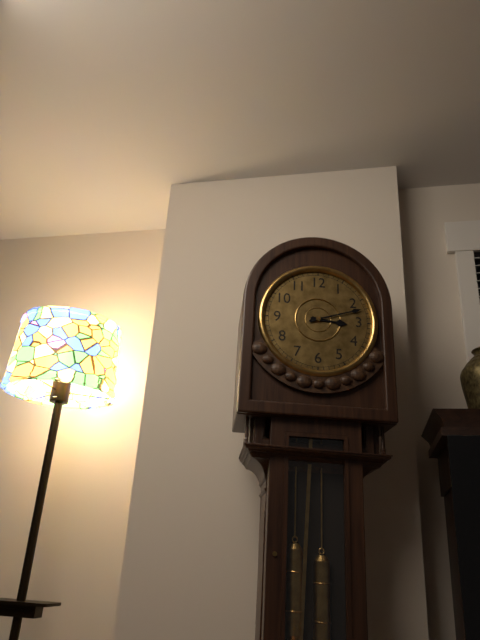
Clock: 3 h 12 min
